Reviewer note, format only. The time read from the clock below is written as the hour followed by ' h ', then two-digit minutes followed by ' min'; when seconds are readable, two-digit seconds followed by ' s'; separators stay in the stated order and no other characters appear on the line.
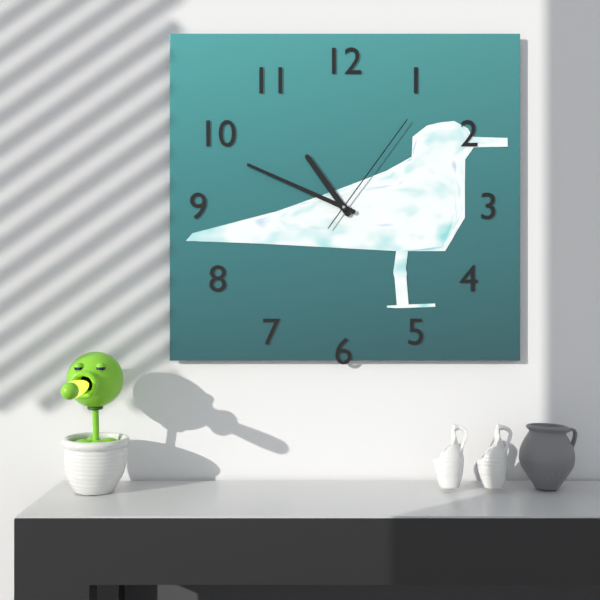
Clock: 10 h 49 min 06 s
